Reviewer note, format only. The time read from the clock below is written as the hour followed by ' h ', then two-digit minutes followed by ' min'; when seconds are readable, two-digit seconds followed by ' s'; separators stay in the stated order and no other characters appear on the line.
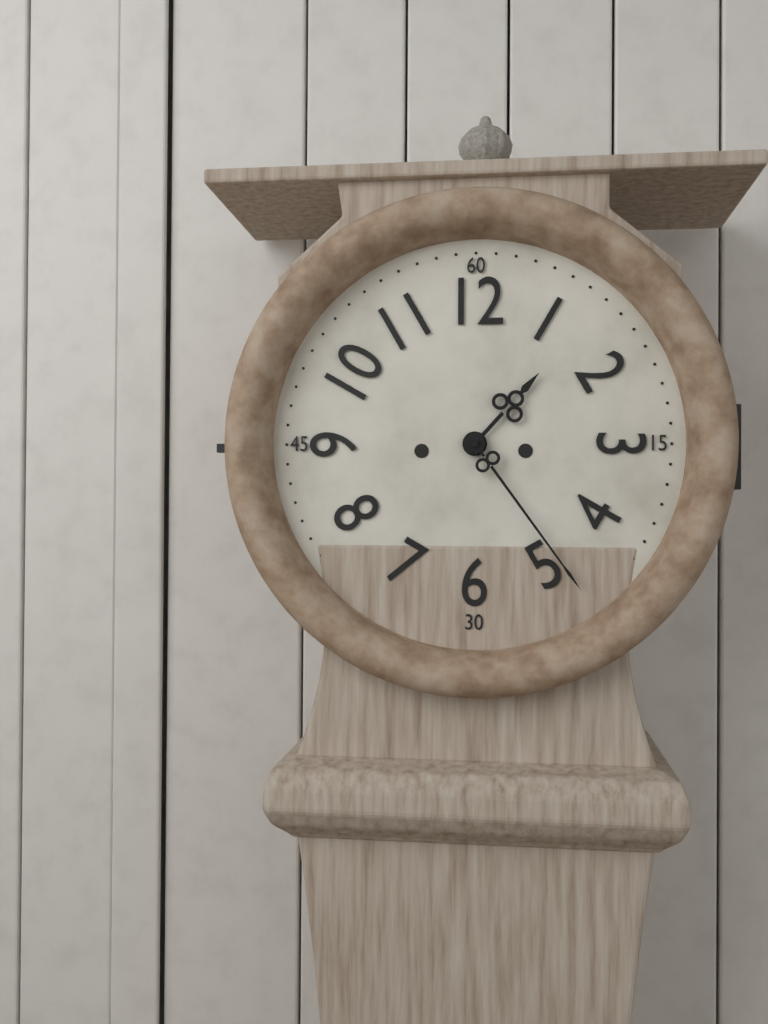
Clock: 1 h 24 min
